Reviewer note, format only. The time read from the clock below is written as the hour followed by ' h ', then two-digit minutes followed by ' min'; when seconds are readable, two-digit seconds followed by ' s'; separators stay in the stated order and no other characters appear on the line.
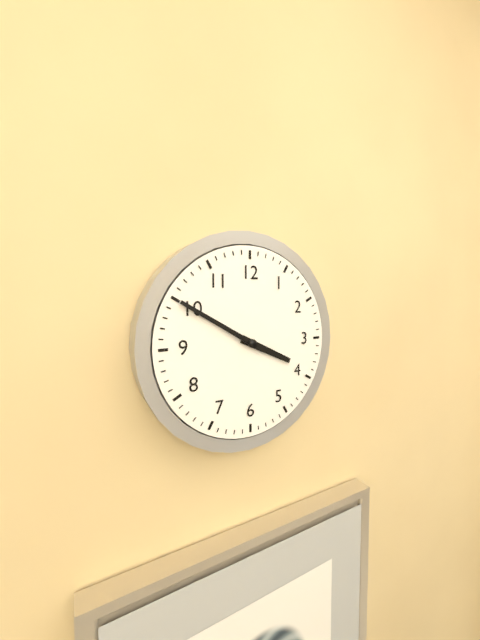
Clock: 3 h 50 min
